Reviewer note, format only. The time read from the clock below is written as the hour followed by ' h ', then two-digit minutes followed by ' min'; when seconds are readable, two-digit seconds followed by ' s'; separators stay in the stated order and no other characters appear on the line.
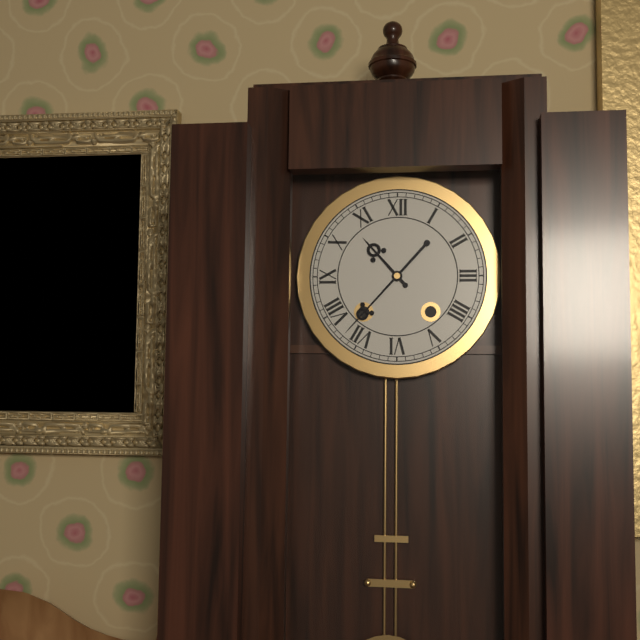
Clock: 10 h 37 min
